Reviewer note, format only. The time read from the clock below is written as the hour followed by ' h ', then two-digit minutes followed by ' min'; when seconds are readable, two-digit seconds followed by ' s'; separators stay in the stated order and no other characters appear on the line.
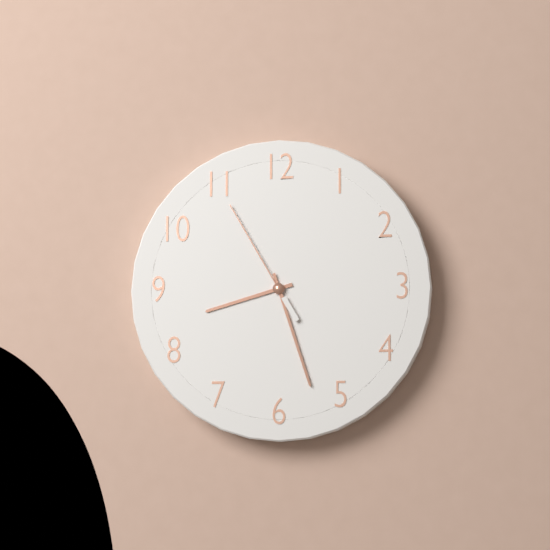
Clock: 8 h 27 min 55 s
